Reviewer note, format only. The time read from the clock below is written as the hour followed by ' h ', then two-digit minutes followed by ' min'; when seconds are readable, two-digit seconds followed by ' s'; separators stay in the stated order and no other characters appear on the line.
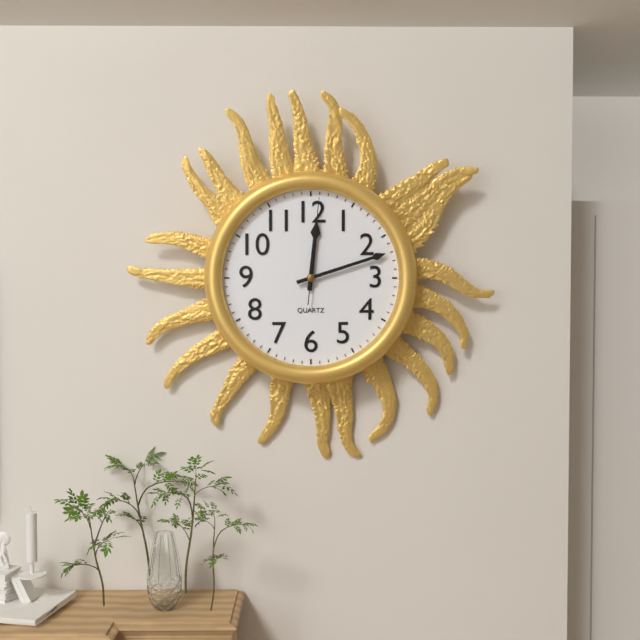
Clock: 12 h 12 min 01 s
